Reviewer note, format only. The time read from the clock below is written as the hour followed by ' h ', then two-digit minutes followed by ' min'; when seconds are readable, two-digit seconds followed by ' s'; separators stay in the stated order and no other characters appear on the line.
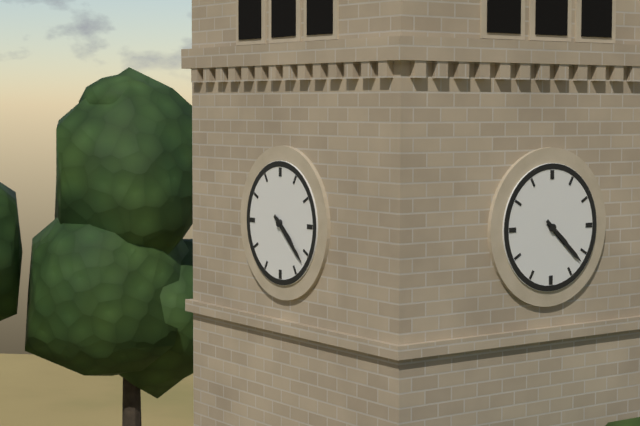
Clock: 4 h 22 min
